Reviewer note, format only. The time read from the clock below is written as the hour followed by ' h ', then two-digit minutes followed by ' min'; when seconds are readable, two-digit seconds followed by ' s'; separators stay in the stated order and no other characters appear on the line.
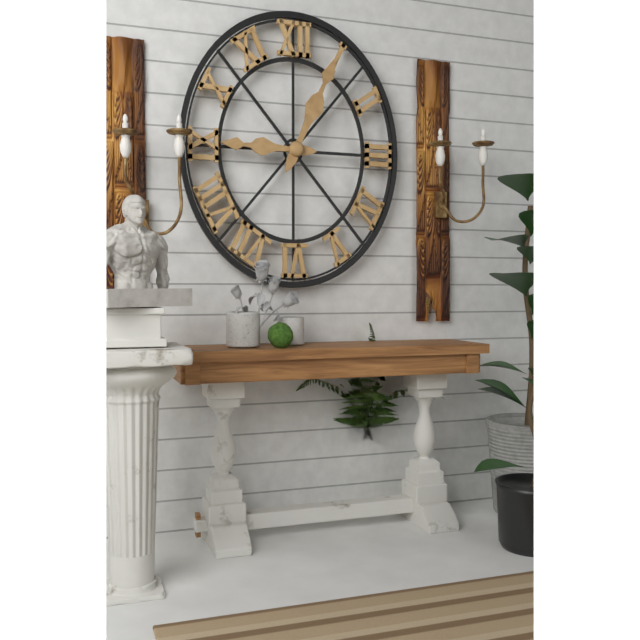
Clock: 9 h 04 min
